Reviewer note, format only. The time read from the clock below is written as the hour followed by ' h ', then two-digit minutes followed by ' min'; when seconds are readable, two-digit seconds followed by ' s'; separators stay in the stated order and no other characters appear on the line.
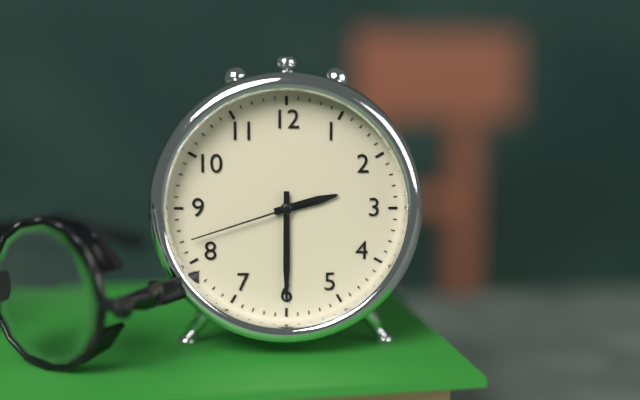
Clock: 2 h 30 min 42 s
